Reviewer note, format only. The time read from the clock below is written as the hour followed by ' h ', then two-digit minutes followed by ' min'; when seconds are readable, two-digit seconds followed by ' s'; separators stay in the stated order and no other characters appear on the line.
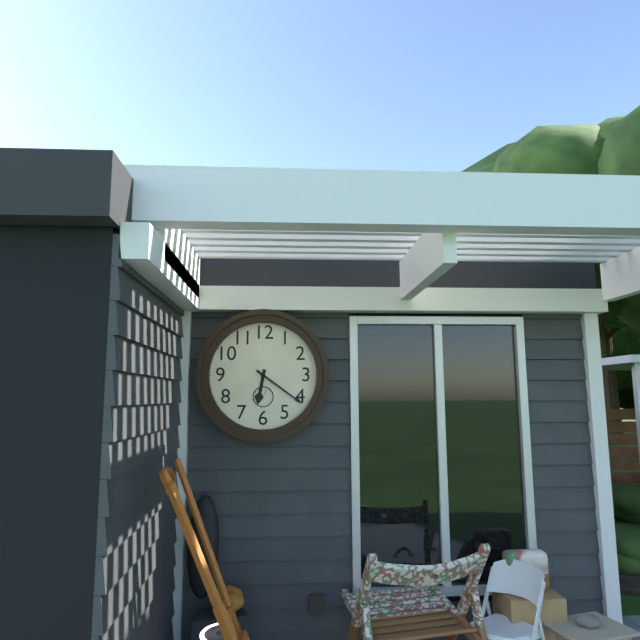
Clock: 6 h 21 min
